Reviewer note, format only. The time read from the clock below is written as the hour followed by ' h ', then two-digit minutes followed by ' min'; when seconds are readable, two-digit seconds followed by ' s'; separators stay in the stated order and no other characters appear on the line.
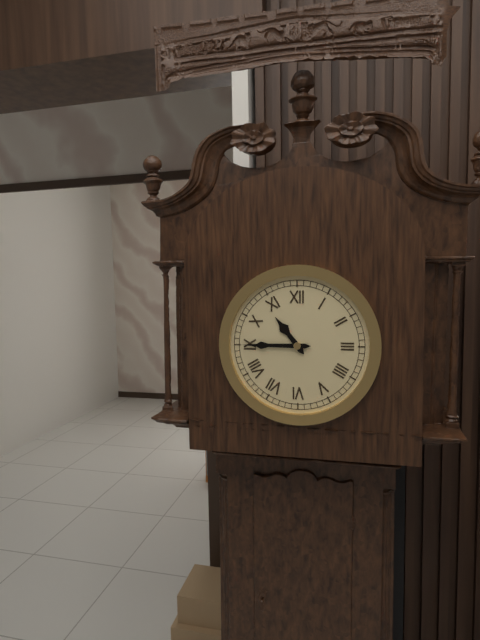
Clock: 10 h 45 min
